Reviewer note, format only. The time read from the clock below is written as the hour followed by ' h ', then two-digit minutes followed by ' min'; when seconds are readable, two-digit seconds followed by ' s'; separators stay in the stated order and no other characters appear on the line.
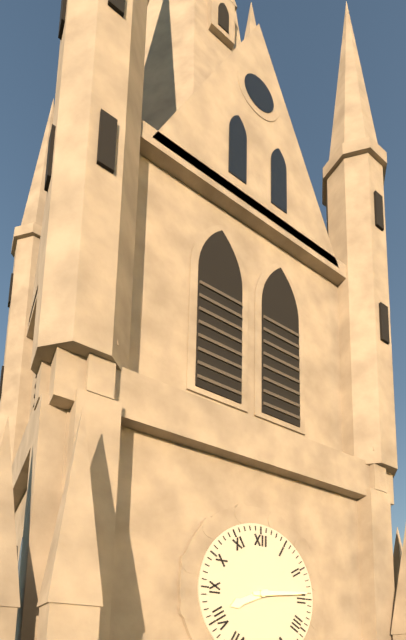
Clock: 8 h 14 min
